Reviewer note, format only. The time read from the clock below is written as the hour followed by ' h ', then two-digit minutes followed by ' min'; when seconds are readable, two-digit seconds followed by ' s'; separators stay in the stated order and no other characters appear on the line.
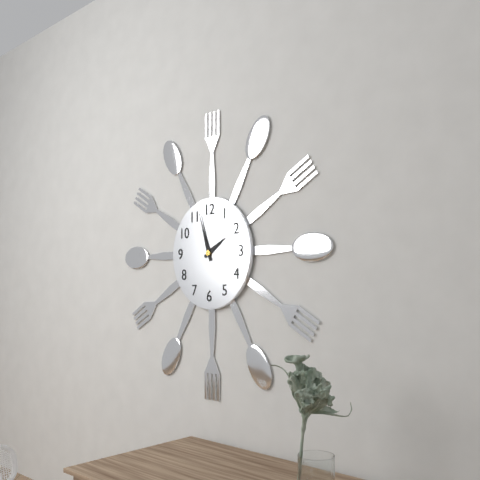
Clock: 1 h 57 min
